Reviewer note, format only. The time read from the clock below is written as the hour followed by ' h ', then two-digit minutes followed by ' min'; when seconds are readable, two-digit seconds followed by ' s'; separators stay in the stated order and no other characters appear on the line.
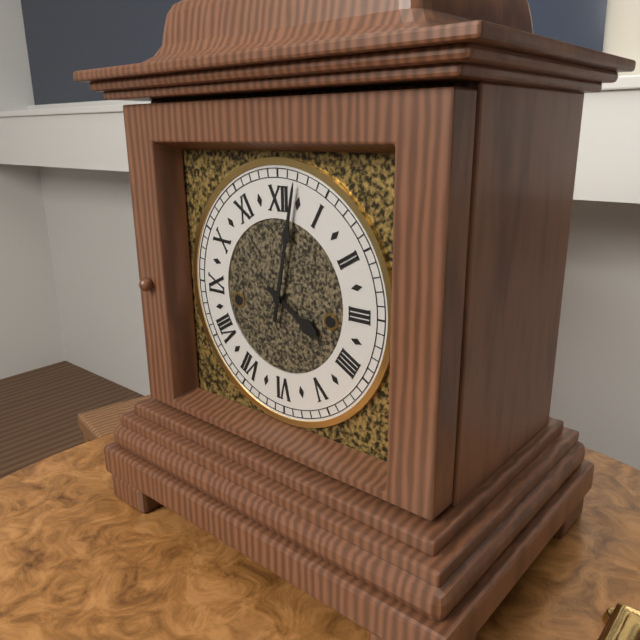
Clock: 4 h 02 min
